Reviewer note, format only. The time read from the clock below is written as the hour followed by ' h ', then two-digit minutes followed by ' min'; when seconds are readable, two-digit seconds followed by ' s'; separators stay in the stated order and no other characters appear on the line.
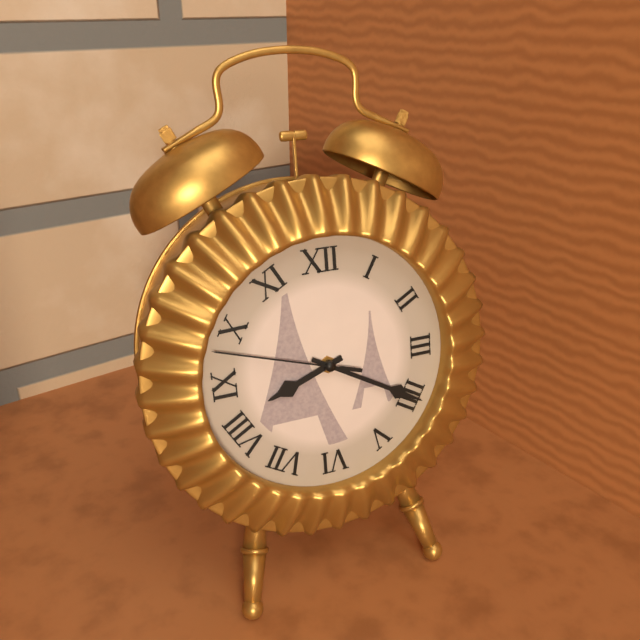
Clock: 8 h 20 min 48 s
